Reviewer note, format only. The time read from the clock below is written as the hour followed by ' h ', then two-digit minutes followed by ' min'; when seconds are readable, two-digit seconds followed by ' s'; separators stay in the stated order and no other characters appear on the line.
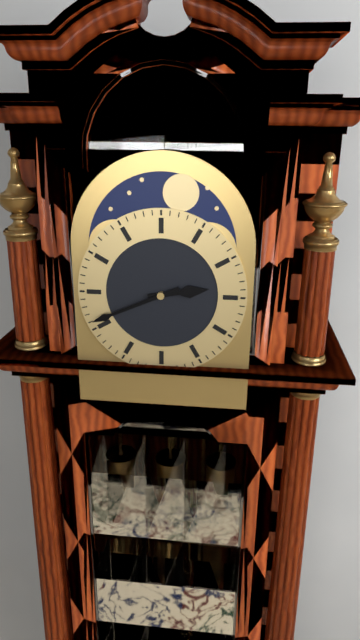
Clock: 2 h 41 min
